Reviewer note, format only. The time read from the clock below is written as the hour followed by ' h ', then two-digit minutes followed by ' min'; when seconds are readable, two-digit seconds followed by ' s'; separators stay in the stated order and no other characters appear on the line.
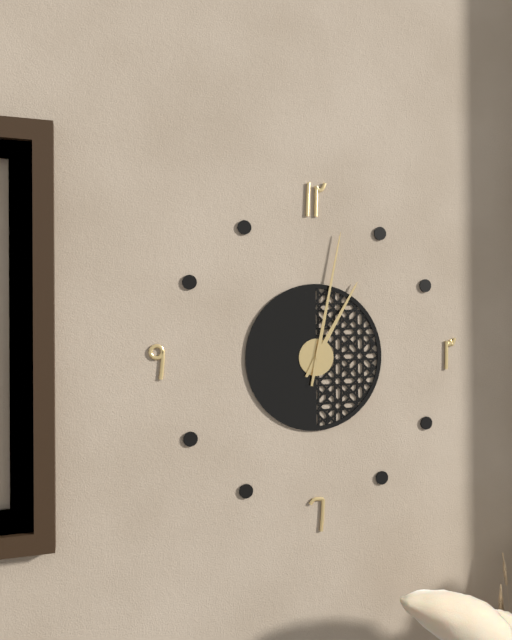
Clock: 1 h 02 min
